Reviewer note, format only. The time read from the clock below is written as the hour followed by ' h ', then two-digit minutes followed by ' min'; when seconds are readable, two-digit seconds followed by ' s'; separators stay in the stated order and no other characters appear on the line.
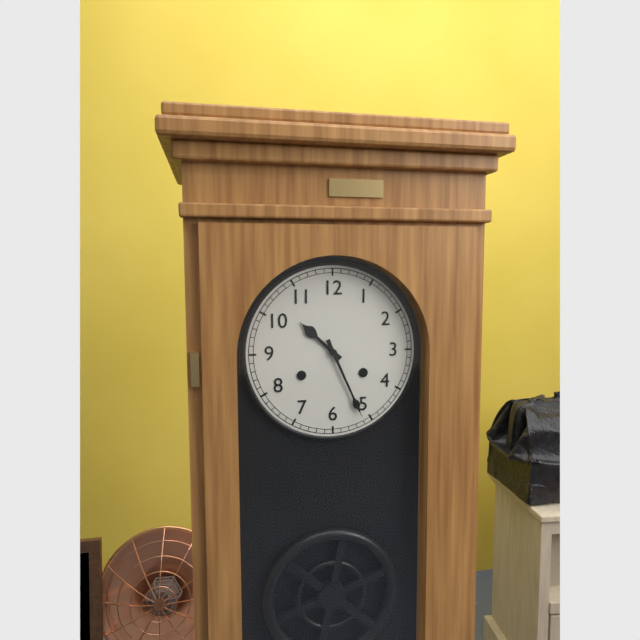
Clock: 10 h 26 min
